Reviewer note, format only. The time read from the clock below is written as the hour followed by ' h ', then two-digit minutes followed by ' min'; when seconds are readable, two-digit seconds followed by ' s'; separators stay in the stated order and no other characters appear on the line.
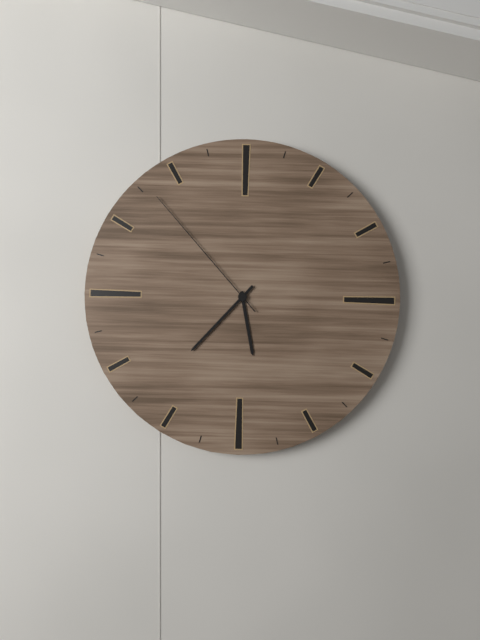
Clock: 5 h 37 min 53 s
